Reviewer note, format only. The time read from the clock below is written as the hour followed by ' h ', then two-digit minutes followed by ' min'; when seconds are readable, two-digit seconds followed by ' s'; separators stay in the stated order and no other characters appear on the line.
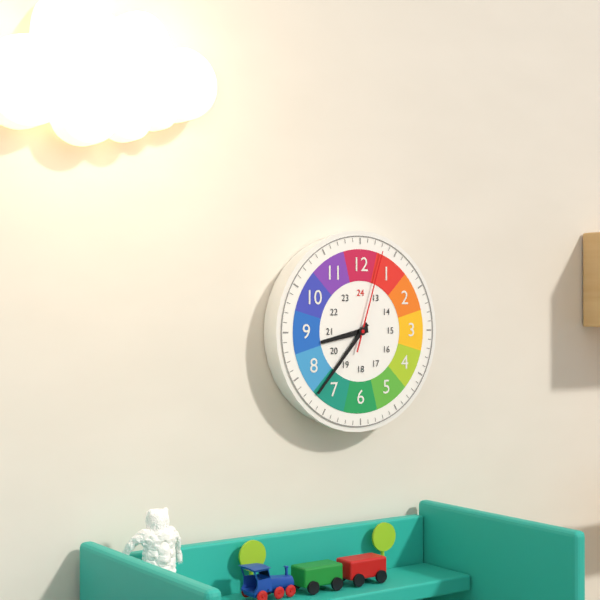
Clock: 8 h 37 min 03 s
